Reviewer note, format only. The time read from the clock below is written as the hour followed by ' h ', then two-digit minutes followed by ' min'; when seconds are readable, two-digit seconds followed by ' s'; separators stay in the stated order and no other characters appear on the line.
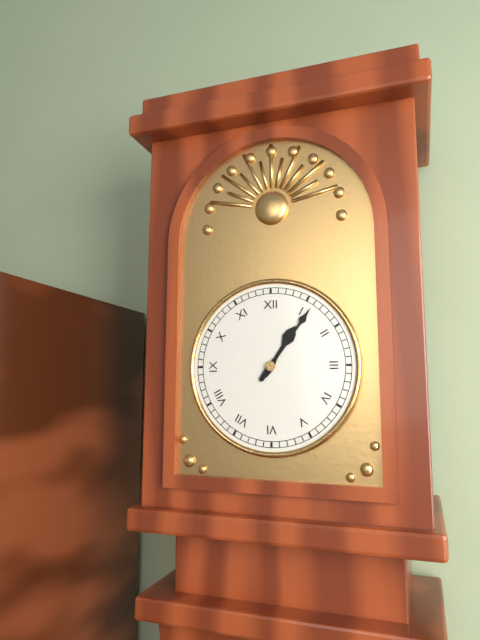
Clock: 1 h 06 min
